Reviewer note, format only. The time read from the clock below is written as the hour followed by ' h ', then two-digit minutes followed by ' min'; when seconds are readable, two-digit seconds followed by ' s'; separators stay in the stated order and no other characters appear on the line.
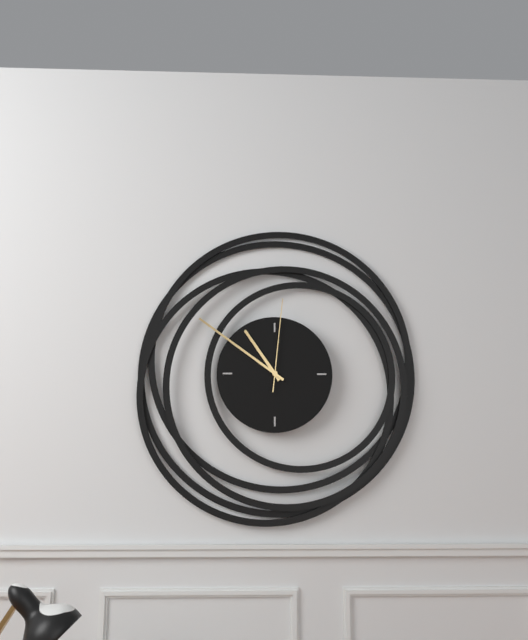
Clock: 10 h 51 min 01 s
